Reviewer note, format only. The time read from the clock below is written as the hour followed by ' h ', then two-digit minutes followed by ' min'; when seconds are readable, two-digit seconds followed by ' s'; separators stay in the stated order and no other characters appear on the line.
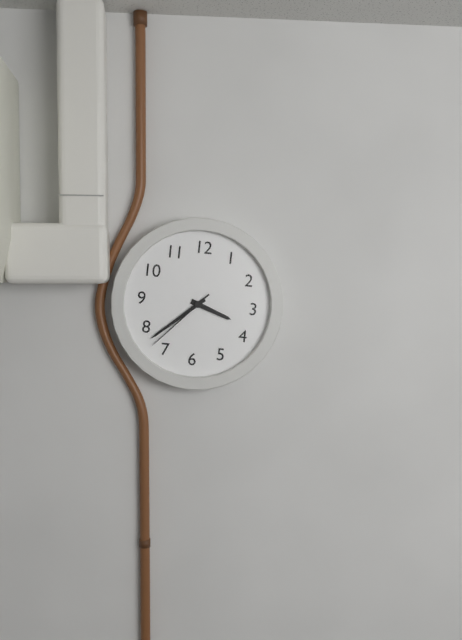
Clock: 3 h 38 min 37 s
